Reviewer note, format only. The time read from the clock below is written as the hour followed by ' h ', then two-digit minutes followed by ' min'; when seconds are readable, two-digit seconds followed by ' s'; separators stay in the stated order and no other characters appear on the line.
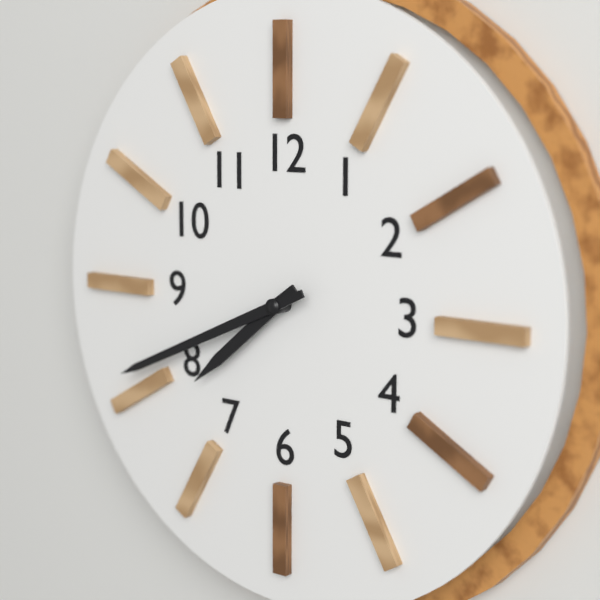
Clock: 7 h 41 min
